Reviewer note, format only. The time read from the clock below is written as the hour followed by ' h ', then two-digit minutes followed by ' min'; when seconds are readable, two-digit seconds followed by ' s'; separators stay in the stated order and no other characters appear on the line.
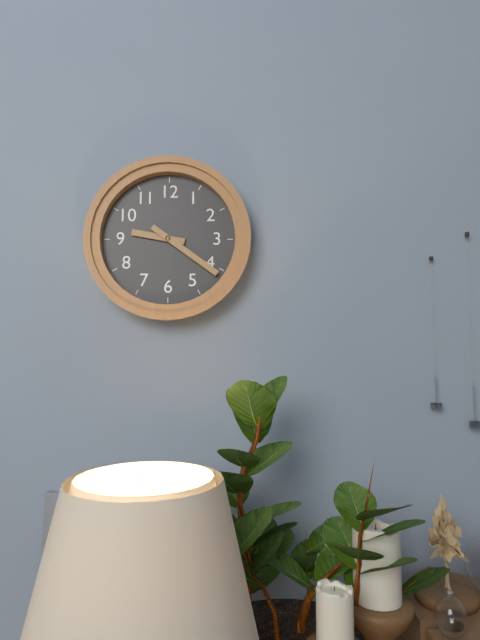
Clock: 9 h 21 min
